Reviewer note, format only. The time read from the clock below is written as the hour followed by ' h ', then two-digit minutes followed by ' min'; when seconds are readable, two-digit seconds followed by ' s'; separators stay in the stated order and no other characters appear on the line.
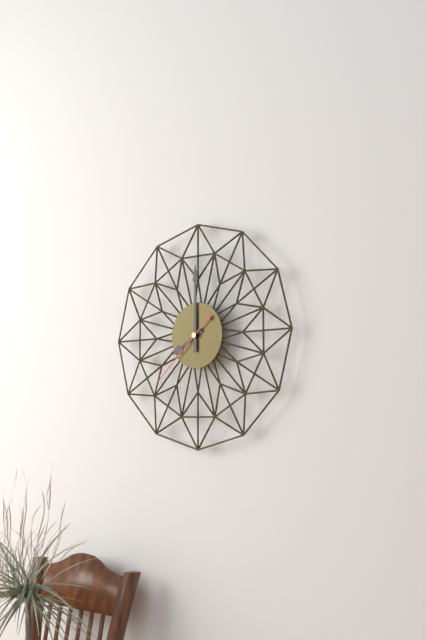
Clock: 8 h 00 min 38 s
